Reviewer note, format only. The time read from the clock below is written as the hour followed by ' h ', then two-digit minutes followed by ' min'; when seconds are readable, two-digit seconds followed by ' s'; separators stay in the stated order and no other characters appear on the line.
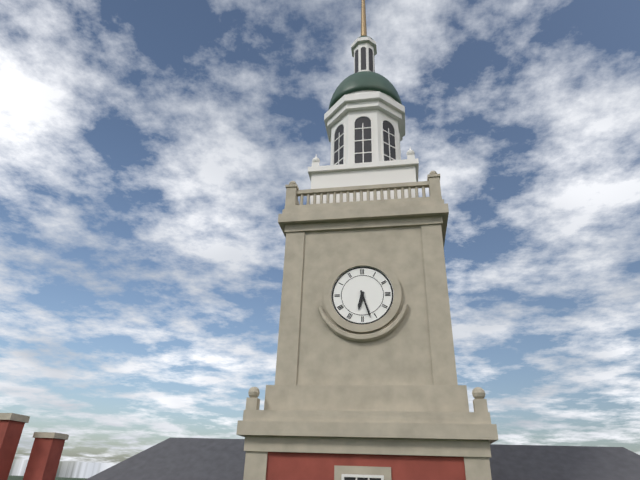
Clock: 6 h 27 min
